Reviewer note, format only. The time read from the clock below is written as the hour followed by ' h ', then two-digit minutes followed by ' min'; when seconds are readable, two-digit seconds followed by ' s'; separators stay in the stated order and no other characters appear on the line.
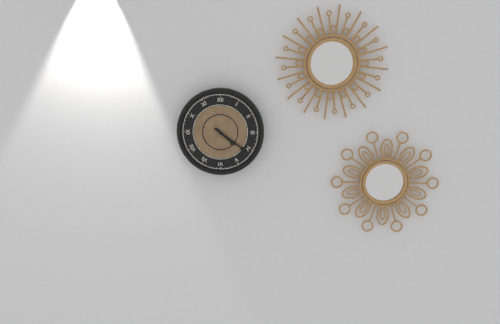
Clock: 4 h 21 min
